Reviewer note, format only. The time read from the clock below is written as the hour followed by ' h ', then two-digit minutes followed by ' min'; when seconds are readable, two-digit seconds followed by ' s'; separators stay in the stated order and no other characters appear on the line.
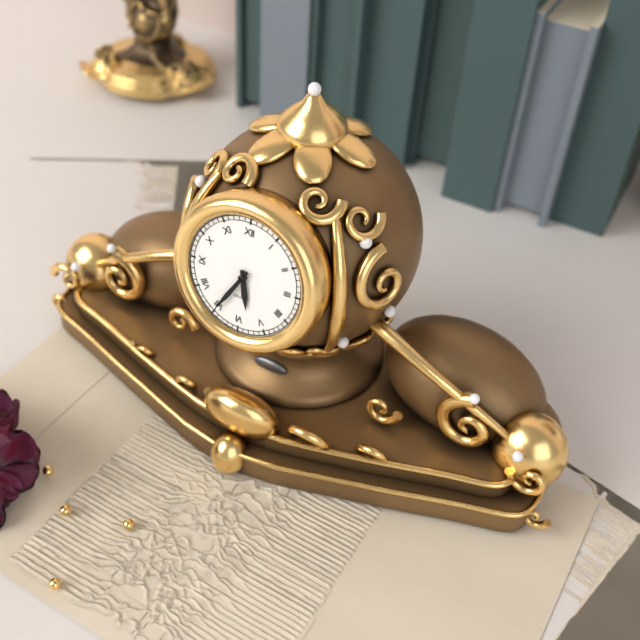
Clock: 5 h 35 min
